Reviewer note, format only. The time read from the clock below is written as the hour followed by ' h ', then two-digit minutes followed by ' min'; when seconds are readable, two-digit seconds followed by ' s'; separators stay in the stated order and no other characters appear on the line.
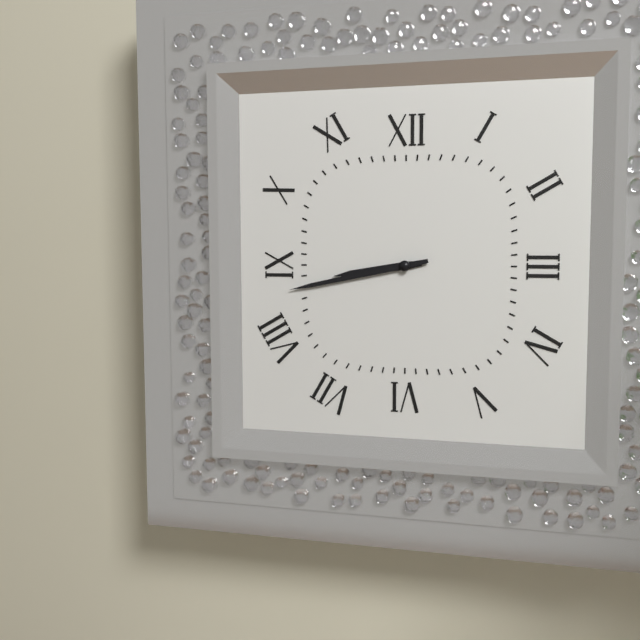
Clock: 8 h 43 min
